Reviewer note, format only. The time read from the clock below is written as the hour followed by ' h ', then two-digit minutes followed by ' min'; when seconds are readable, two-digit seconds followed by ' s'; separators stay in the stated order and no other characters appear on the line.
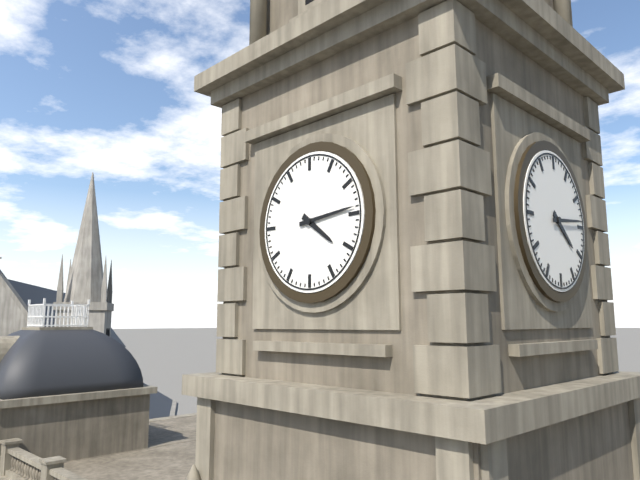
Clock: 4 h 14 min
